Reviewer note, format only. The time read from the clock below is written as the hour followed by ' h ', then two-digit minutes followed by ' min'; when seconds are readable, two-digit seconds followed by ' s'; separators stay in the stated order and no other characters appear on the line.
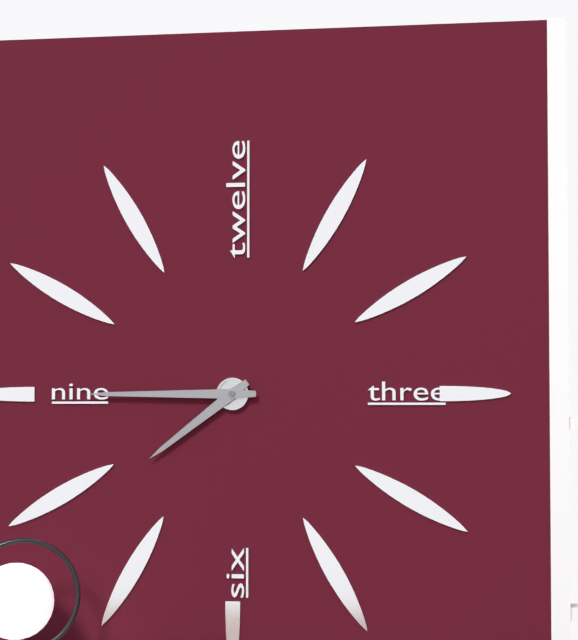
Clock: 7 h 45 min
